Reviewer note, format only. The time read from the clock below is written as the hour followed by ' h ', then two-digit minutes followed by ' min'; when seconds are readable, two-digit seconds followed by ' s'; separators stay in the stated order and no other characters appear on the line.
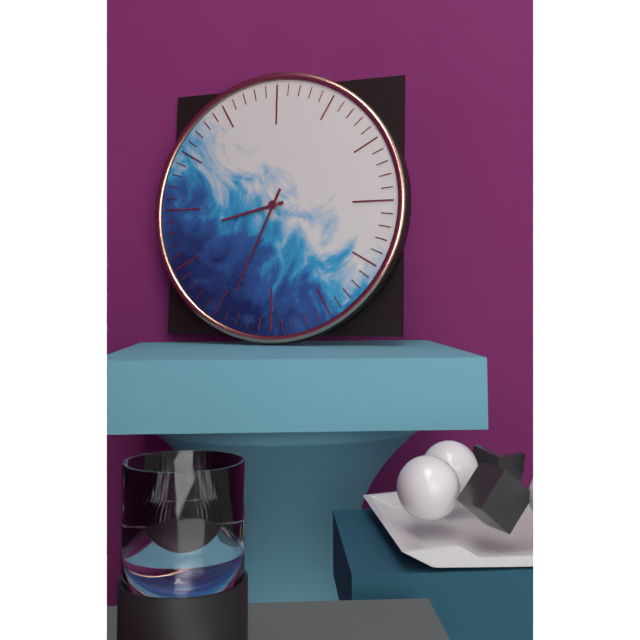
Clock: 8 h 34 min
